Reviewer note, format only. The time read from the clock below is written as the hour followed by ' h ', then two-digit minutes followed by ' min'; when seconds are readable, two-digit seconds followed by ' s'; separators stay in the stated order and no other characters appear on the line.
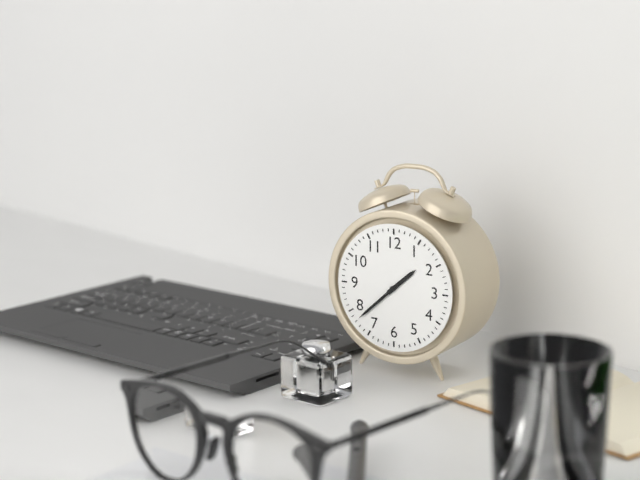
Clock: 1 h 38 min
